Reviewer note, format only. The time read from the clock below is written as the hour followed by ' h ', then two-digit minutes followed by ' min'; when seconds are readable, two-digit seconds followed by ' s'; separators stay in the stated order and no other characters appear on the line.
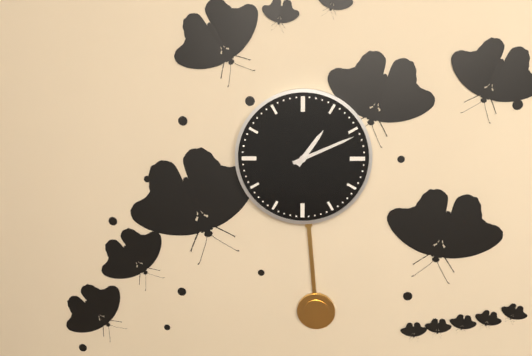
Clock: 1 h 11 min
